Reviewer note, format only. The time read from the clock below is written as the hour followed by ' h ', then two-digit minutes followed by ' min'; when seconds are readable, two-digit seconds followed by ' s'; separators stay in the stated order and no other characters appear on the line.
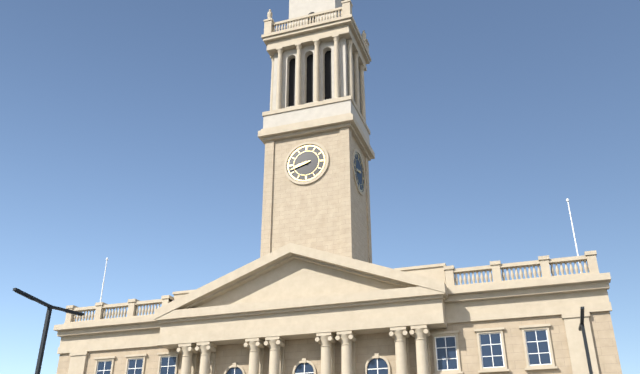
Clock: 8 h 42 min
